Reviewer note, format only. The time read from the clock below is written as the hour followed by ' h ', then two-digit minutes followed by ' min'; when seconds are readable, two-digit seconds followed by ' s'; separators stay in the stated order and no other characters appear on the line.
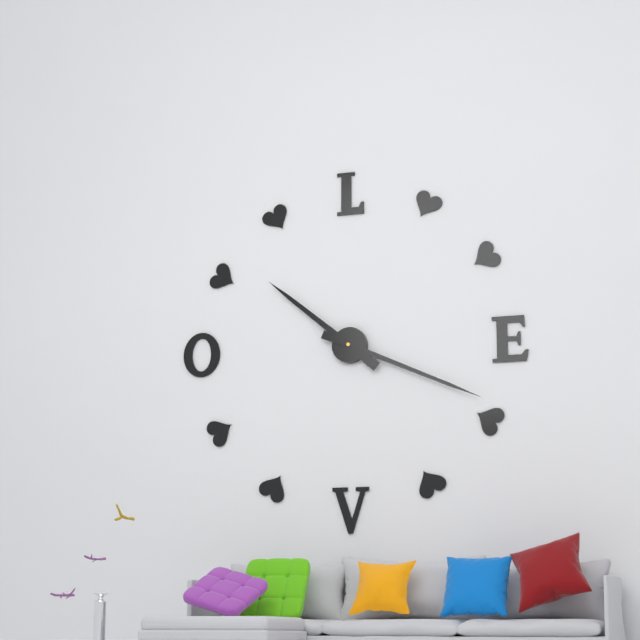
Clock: 10 h 19 min
